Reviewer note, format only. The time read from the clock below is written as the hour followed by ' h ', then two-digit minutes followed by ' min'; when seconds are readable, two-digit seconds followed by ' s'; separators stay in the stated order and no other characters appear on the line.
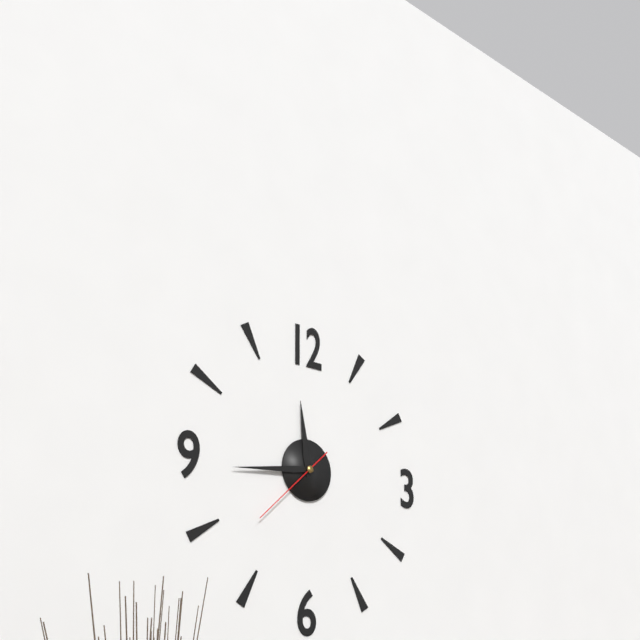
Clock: 11 h 44 min 38 s
